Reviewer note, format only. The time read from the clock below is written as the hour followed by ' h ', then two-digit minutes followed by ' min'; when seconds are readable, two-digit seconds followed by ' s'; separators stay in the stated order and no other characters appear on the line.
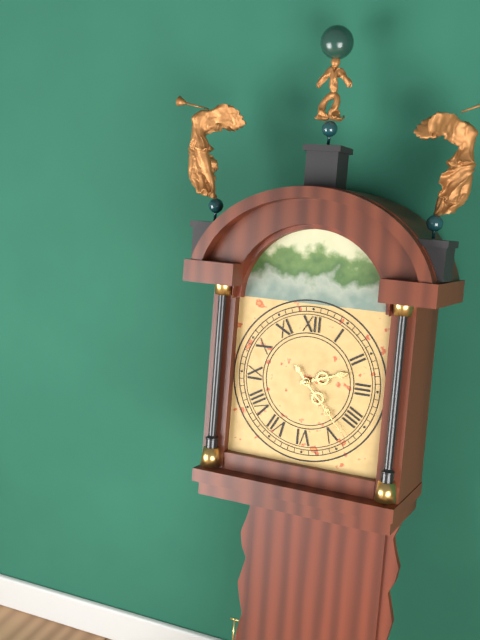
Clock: 2 h 23 min
